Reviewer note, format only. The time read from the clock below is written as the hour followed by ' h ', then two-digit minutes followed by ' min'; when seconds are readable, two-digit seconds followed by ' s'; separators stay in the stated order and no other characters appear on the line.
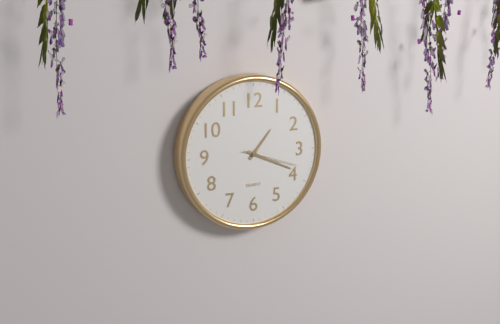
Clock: 1 h 19 min 18 s
